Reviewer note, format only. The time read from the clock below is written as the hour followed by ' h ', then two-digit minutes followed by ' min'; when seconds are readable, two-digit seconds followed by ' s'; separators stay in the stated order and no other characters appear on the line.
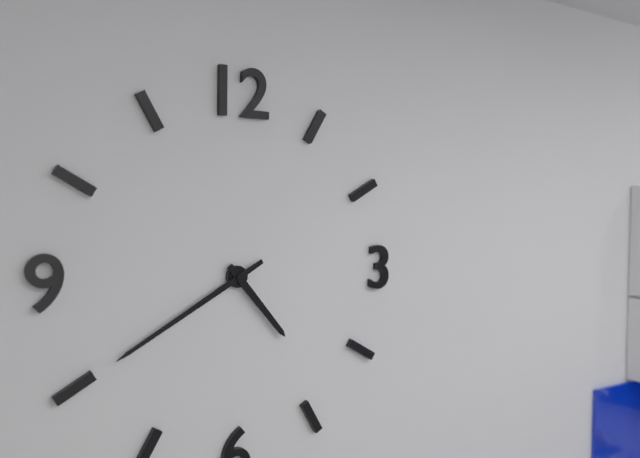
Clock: 4 h 40 min
